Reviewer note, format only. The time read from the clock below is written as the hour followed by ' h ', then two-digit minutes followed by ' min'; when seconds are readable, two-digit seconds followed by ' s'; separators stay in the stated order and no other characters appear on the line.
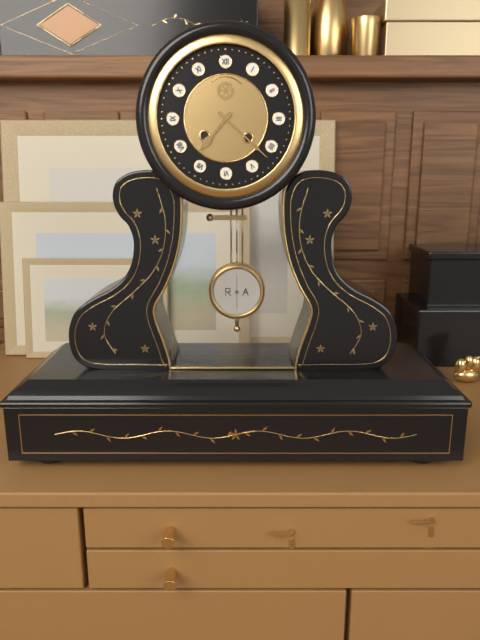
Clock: 7 h 22 min
